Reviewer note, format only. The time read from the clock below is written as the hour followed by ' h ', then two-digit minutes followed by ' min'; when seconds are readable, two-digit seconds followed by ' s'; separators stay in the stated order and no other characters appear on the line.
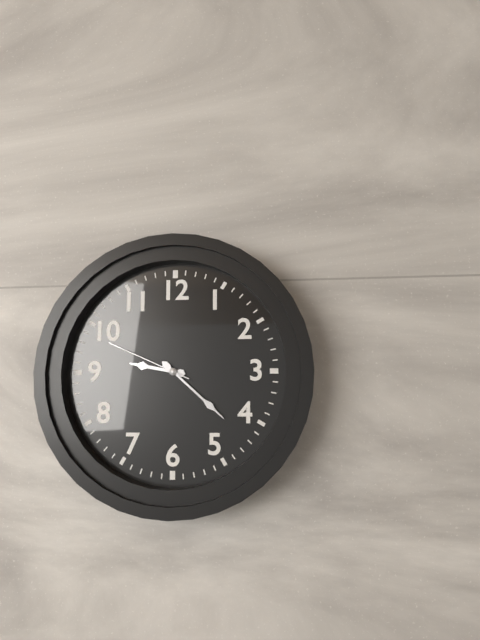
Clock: 9 h 22 min 49 s
